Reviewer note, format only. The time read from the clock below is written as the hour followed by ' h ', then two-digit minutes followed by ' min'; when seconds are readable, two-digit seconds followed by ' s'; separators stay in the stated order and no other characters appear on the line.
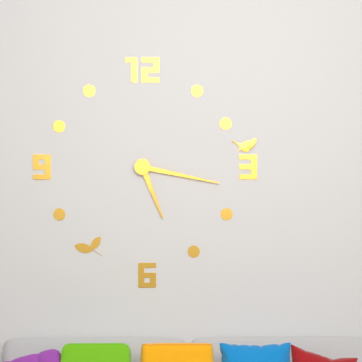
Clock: 5 h 17 min
